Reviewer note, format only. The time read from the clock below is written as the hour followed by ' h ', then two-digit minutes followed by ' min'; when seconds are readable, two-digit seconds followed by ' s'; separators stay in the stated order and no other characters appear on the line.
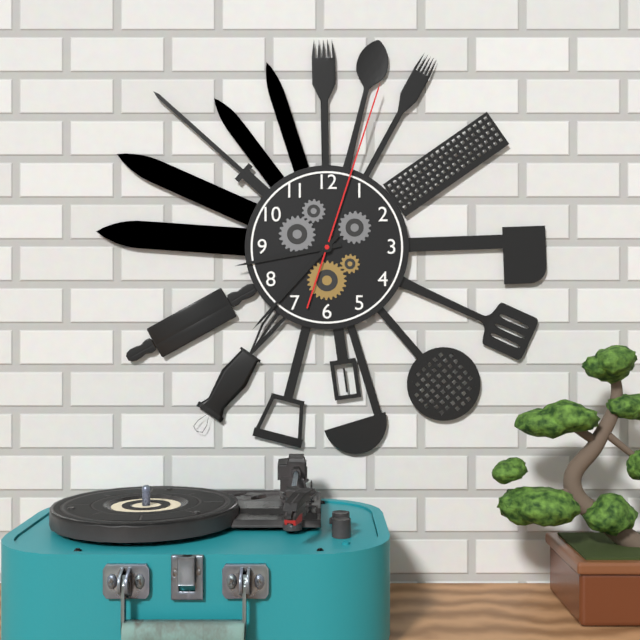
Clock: 8 h 37 min 03 s
